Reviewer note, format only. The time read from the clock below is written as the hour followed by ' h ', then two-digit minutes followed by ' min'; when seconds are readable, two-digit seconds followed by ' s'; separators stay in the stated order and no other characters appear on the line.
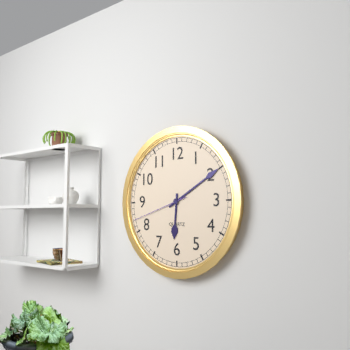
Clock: 6 h 10 min 42 s
